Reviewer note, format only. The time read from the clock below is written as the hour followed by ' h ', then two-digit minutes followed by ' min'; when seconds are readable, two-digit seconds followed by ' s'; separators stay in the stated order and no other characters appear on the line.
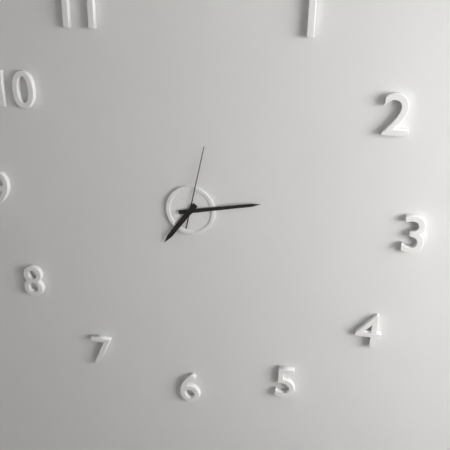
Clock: 7 h 13 min 02 s
